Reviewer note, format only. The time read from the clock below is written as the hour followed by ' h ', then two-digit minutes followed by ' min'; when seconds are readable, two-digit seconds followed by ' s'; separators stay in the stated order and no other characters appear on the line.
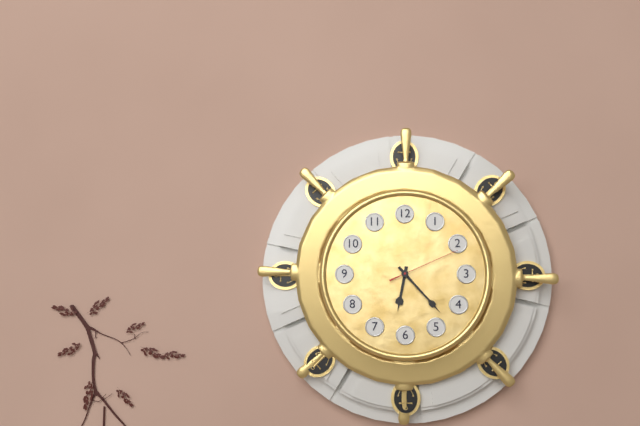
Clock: 6 h 23 min 11 s
